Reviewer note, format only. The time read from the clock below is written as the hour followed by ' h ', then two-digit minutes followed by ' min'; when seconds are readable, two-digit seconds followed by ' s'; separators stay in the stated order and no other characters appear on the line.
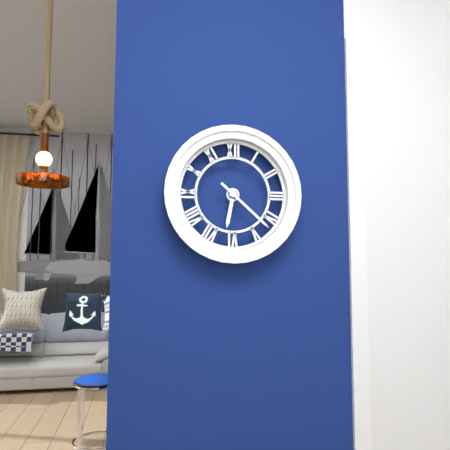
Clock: 6 h 22 min
